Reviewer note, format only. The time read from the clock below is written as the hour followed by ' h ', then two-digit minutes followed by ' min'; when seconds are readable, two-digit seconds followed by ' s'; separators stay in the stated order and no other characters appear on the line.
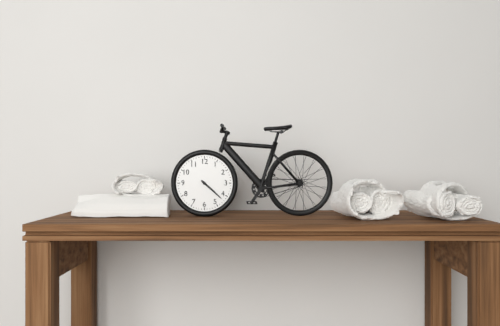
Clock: 4 h 22 min
